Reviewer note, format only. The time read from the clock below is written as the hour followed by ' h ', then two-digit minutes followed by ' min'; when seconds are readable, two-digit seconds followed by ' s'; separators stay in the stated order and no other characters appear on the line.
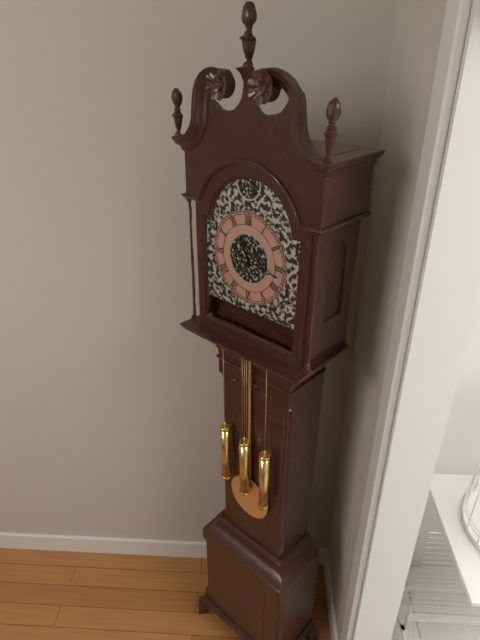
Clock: 11 h 17 min
